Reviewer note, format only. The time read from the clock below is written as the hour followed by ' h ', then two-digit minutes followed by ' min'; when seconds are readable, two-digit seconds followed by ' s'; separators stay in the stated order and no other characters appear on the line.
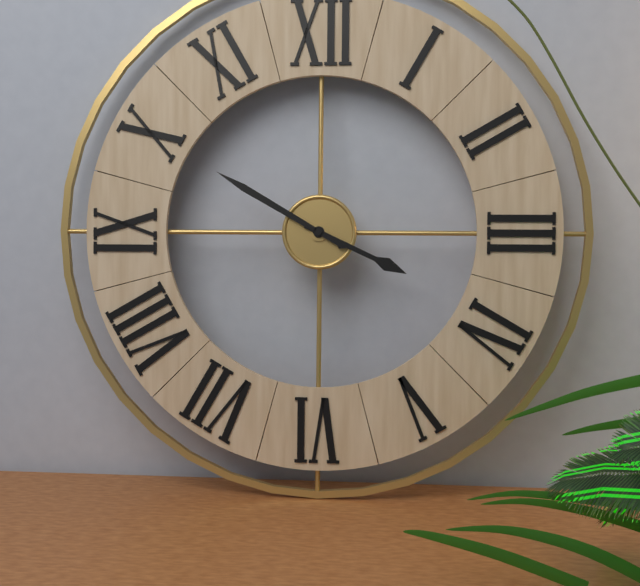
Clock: 3 h 50 min
